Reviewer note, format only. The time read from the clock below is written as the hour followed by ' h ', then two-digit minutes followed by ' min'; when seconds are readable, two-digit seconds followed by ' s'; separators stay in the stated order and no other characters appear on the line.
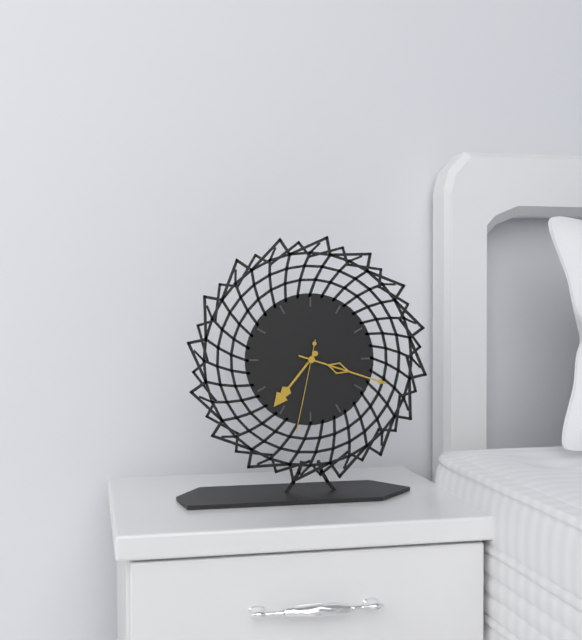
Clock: 7 h 18 min 32 s
